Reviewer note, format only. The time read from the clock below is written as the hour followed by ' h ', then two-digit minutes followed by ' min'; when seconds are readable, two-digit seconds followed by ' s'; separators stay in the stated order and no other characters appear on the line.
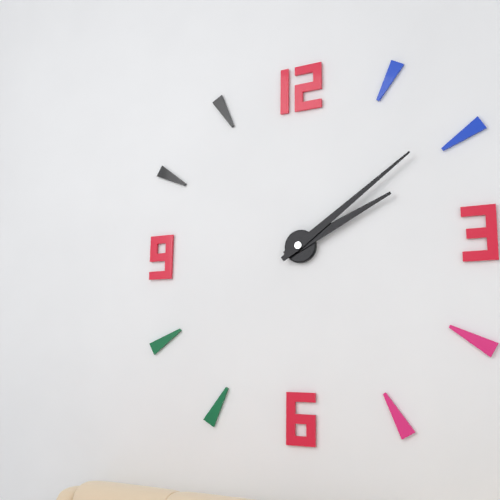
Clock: 2 h 09 min
